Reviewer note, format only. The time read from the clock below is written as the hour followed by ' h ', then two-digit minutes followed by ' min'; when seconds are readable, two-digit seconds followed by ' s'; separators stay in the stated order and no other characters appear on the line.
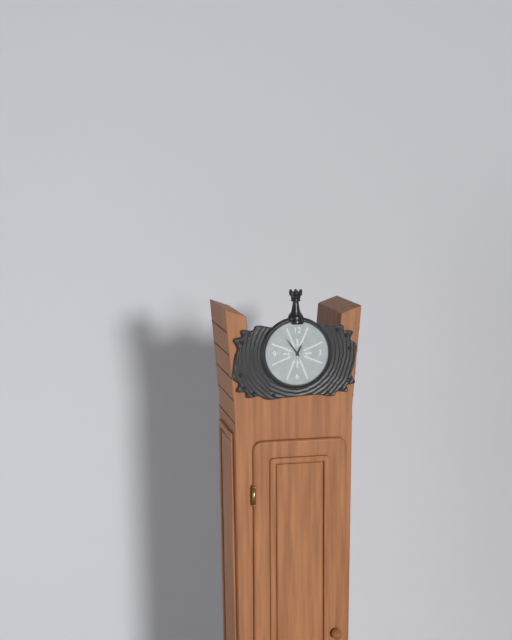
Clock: 12 h 54 min
